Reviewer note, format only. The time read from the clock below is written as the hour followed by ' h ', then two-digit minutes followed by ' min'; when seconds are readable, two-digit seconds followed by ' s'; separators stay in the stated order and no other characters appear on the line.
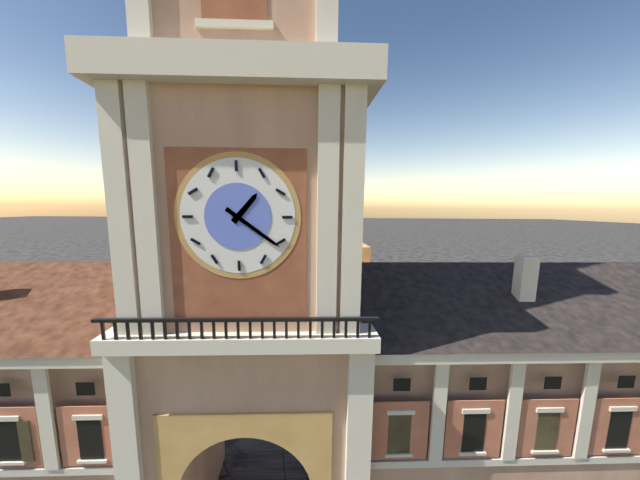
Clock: 1 h 21 min
